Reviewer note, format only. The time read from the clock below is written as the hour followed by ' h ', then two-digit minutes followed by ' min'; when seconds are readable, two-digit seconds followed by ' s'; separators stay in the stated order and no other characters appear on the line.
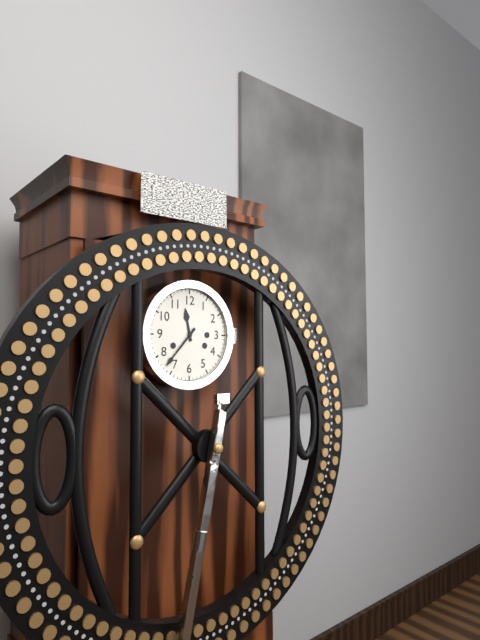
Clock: 11 h 37 min
